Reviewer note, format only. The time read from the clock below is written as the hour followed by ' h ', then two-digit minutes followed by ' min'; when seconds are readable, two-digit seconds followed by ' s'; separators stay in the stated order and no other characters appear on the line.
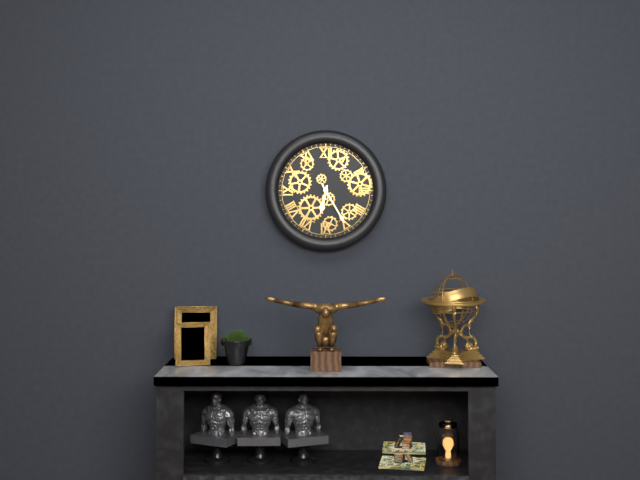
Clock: 6 h 25 min
